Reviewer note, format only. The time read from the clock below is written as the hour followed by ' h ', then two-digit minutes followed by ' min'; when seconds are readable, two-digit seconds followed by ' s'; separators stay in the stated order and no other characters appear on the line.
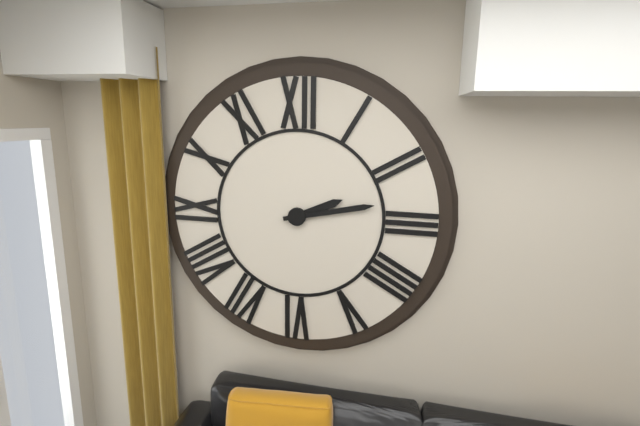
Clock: 2 h 13 min
